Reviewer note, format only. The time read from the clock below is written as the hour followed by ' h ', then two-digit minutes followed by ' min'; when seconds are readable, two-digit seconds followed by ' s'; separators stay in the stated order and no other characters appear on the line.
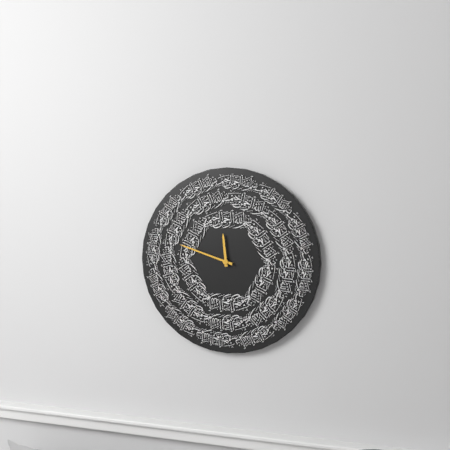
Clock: 11 h 48 min
